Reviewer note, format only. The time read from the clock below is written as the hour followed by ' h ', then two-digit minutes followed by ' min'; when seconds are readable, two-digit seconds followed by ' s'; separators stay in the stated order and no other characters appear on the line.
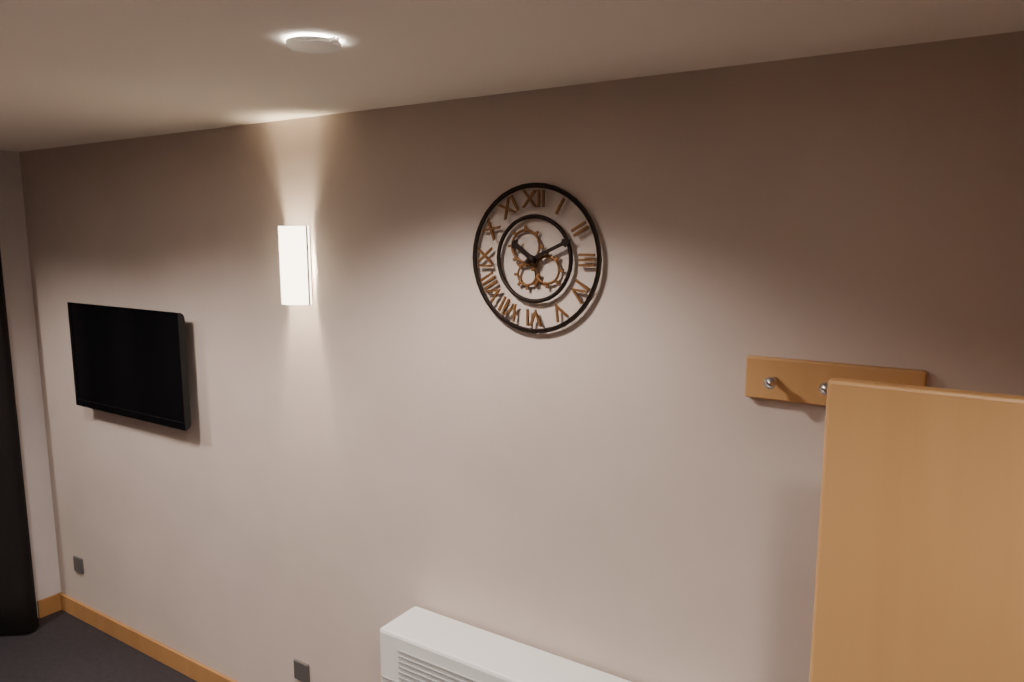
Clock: 10 h 11 min
